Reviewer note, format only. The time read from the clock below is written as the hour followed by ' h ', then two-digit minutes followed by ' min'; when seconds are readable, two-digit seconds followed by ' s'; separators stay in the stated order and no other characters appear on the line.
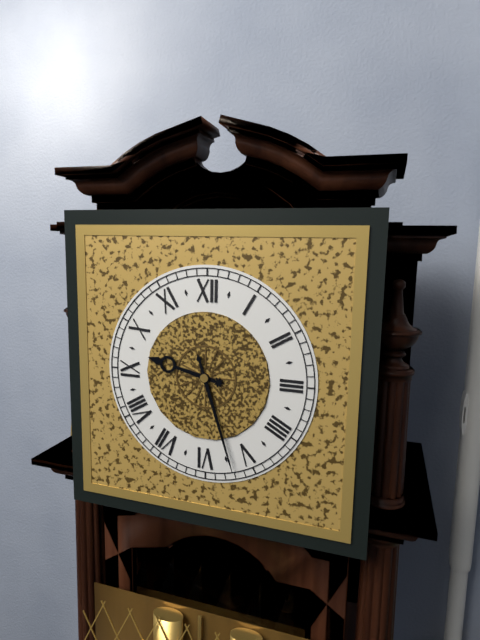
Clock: 9 h 27 min
